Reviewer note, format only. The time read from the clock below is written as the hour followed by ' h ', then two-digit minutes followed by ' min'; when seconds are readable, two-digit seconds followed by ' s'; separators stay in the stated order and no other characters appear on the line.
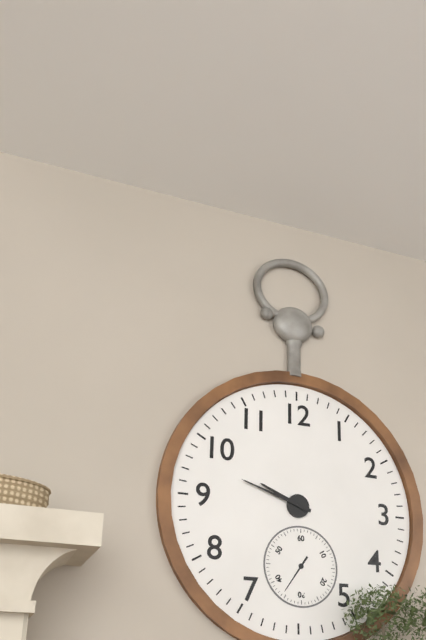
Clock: 9 h 48 min
